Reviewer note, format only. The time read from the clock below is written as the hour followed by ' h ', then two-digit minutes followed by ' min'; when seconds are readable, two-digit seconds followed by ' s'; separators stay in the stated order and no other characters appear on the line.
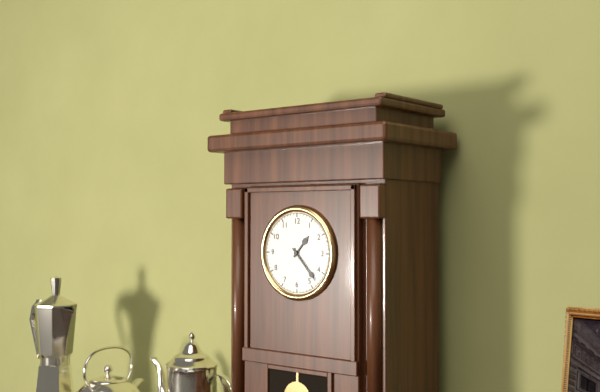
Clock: 1 h 23 min
